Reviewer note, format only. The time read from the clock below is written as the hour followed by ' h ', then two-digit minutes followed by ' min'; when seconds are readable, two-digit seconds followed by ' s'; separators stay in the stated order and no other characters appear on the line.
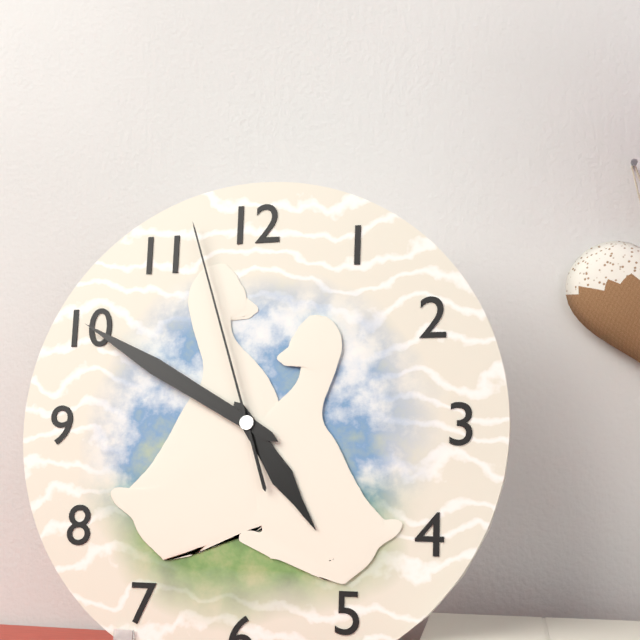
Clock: 4 h 50 min 57 s
